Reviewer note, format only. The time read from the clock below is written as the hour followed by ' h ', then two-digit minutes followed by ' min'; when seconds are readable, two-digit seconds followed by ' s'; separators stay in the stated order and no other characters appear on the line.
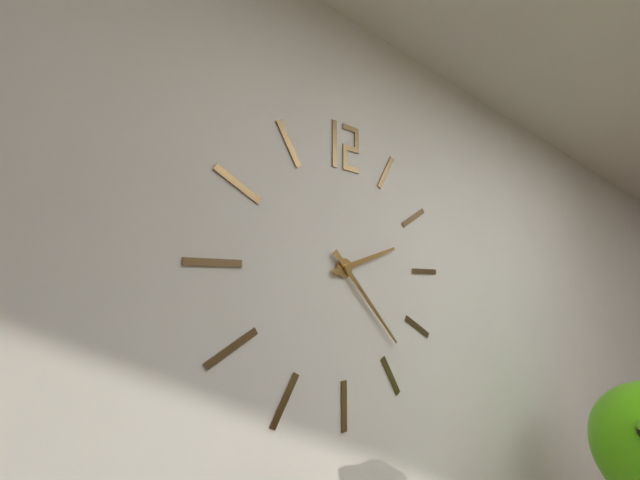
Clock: 2 h 23 min
